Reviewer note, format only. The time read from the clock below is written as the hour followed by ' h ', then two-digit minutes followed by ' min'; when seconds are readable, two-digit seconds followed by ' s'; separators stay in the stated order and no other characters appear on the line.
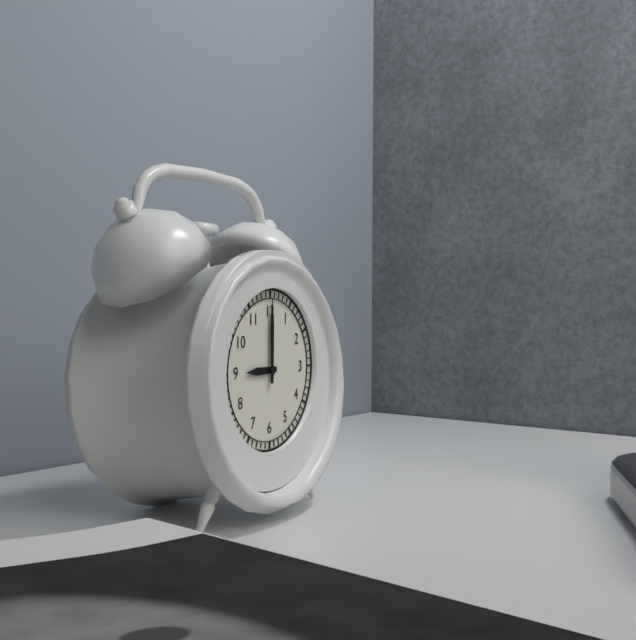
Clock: 9 h 00 min
